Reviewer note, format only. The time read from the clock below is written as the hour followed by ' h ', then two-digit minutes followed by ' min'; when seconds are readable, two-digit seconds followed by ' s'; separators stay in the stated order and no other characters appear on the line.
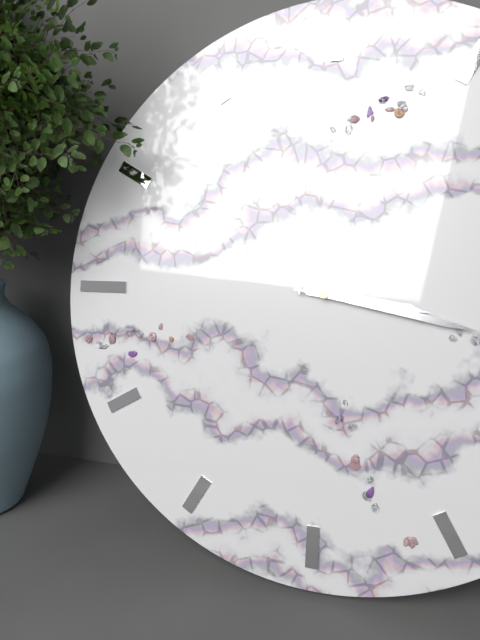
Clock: 3 h 17 min 16 s
